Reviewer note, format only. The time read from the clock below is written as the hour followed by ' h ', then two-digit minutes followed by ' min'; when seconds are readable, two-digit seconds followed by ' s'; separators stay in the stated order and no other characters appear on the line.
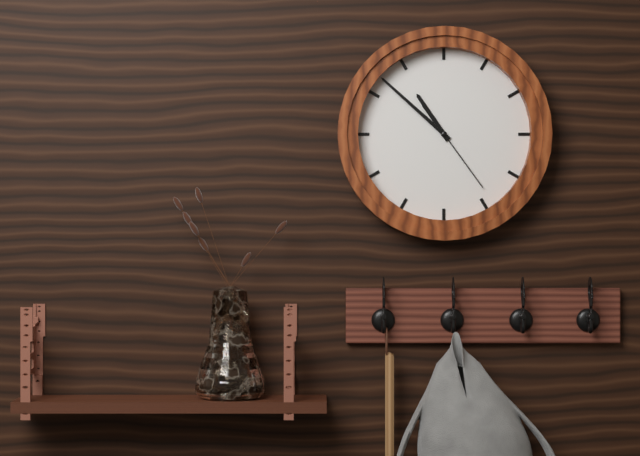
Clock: 10 h 52 min 24 s
